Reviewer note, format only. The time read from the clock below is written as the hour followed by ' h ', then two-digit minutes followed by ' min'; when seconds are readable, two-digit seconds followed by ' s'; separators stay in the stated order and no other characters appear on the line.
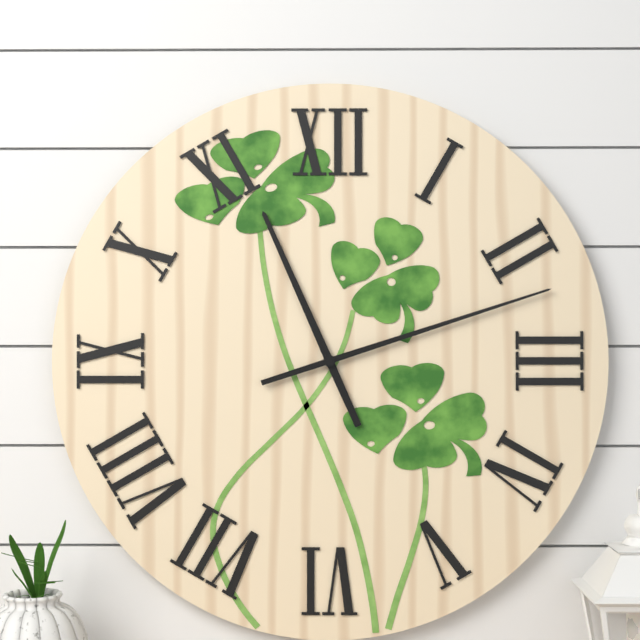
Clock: 11 h 12 min
